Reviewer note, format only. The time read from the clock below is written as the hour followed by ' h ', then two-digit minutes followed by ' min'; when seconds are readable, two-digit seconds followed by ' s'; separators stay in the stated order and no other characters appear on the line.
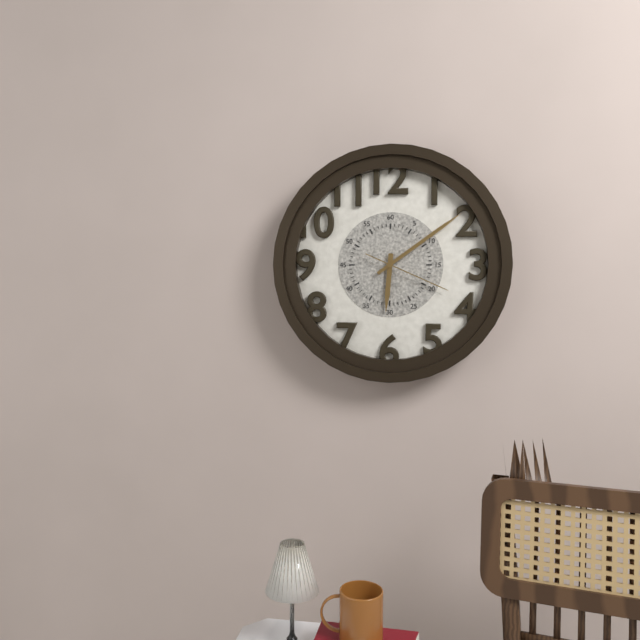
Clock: 6 h 09 min 19 s
